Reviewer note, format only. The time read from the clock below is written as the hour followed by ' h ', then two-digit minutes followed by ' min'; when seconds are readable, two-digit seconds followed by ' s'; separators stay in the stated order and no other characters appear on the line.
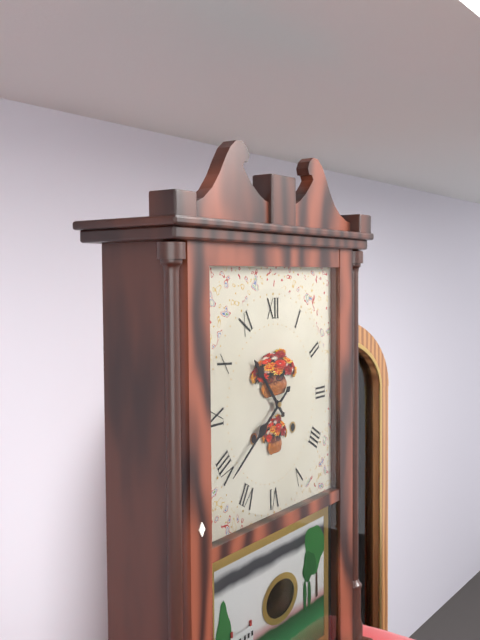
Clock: 10 h 39 min
